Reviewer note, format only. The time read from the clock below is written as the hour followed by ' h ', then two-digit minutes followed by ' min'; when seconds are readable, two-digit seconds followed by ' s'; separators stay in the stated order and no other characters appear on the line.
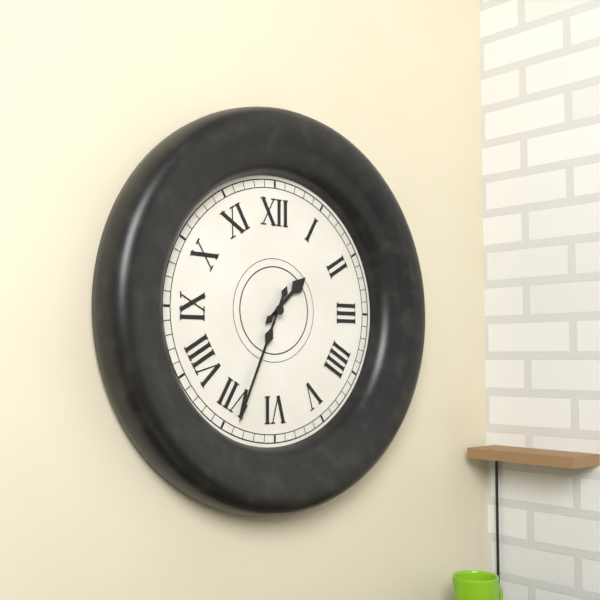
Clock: 1 h 34 min
